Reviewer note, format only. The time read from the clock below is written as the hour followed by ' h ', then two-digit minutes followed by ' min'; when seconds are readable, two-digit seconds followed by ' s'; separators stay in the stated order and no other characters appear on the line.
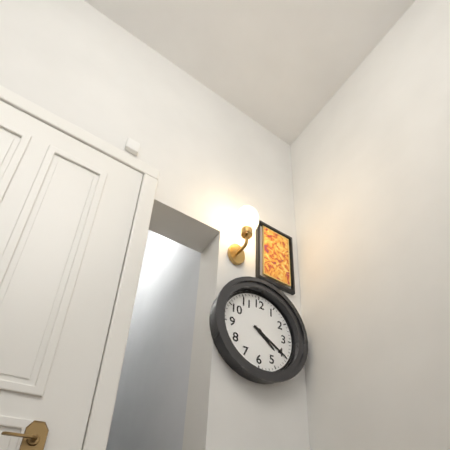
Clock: 4 h 20 min
